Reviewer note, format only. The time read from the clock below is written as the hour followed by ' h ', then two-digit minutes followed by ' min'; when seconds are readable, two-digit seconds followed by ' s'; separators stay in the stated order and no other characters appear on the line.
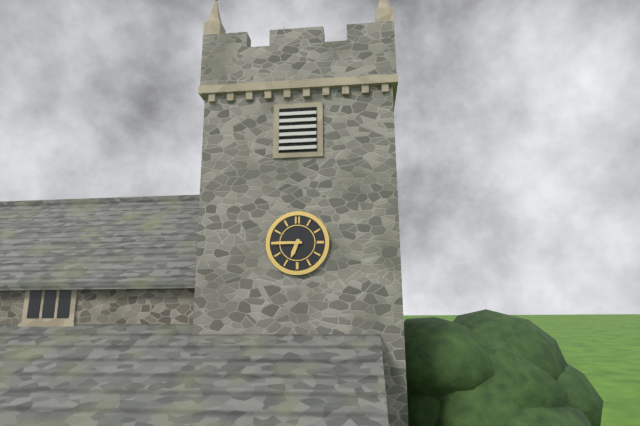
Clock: 6 h 45 min
